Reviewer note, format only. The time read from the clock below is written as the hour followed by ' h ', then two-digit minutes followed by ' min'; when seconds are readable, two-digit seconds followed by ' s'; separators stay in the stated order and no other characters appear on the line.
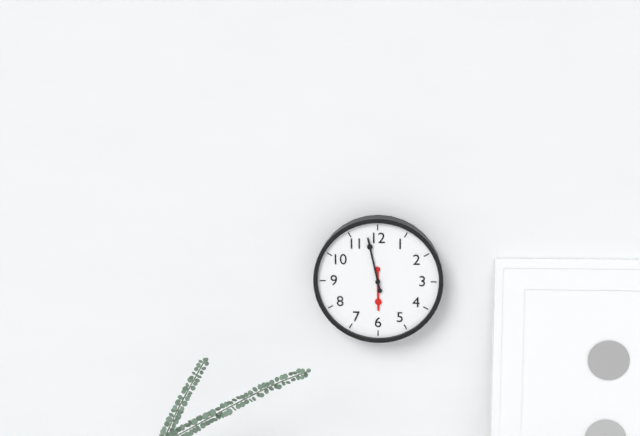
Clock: 5 h 58 min
